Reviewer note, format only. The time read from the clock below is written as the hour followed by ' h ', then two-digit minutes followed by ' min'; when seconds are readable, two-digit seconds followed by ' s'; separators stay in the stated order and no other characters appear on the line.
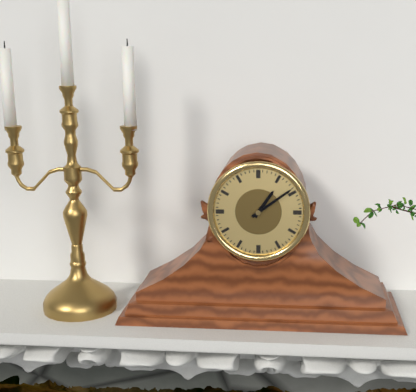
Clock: 1 h 09 min
